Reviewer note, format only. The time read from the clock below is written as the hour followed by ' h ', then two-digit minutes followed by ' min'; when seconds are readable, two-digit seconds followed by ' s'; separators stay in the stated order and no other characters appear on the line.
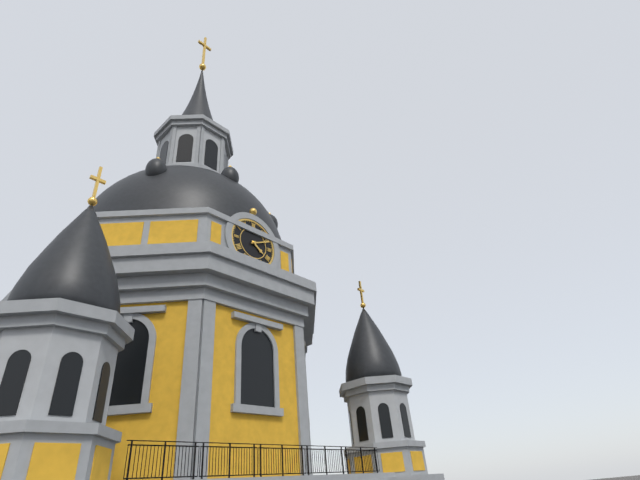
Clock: 4 h 11 min
